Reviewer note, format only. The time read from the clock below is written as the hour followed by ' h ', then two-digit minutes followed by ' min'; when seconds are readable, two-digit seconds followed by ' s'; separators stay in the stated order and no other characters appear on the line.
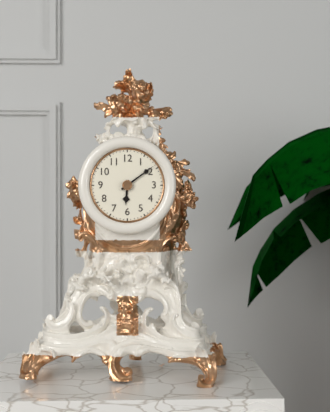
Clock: 6 h 09 min
